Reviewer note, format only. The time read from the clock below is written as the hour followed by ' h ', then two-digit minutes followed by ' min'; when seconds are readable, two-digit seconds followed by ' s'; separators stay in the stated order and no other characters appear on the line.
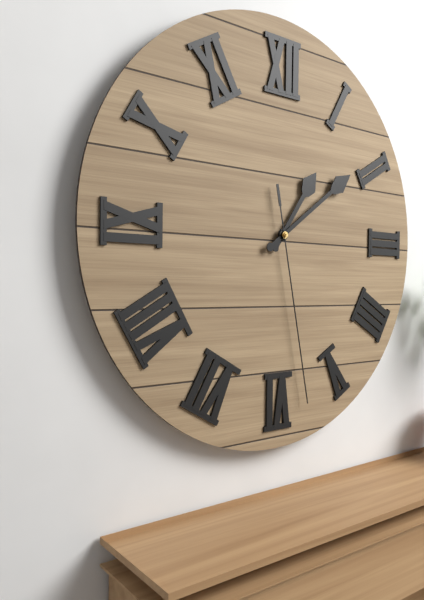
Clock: 1 h 09 min 28 s
